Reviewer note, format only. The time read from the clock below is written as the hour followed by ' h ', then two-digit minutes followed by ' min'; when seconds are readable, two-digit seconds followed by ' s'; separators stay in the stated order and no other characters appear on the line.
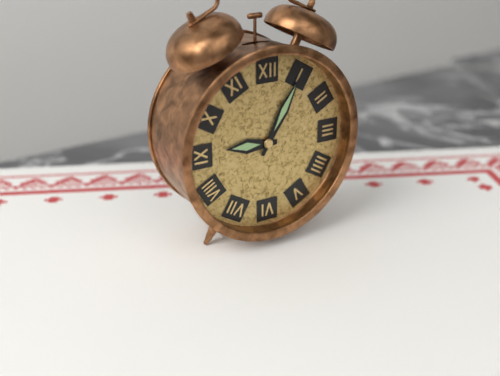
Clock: 9 h 05 min
